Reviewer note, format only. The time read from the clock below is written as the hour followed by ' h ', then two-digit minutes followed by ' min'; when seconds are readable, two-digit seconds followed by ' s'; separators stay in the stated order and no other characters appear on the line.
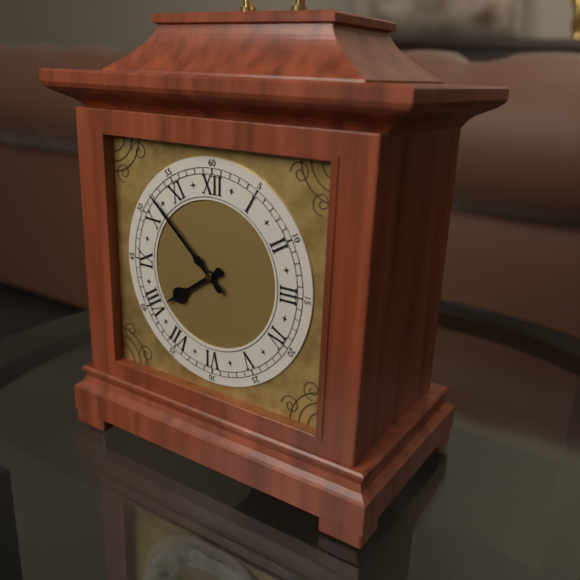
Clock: 7 h 52 min
